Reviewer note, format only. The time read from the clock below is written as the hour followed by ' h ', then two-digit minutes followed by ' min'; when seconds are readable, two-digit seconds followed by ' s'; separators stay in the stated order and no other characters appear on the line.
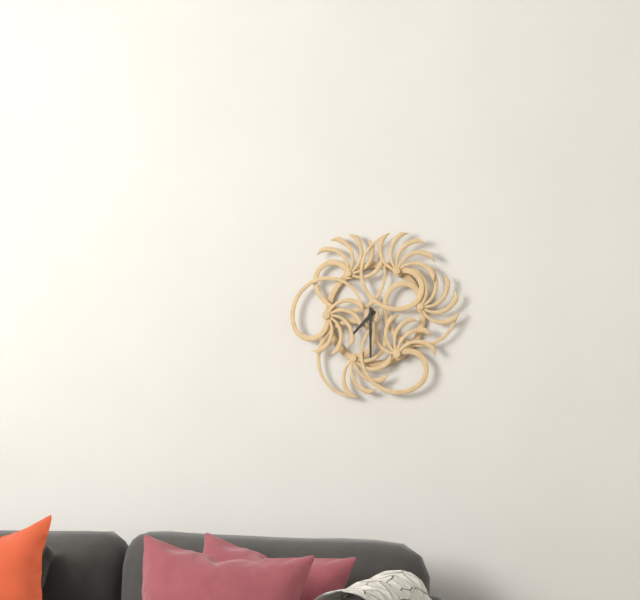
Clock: 7 h 30 min
